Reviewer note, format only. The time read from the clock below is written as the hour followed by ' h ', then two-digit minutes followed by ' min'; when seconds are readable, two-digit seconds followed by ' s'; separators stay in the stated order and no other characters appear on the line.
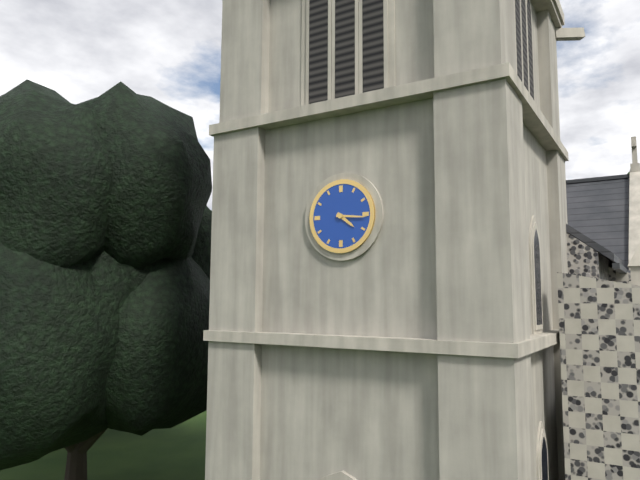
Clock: 4 h 16 min
